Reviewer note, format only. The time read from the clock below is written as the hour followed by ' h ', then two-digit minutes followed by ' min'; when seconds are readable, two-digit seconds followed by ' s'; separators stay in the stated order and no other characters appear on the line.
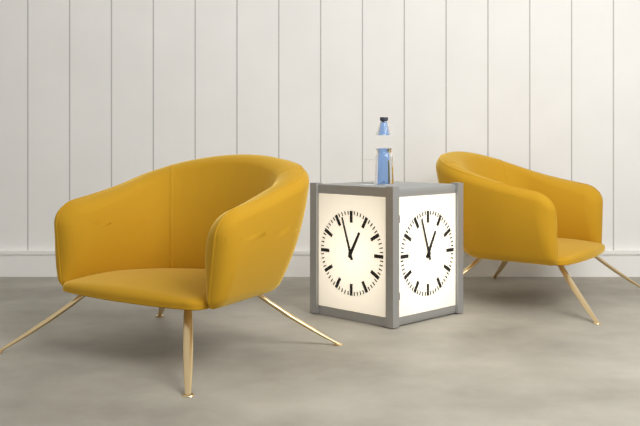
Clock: 12 h 57 min
